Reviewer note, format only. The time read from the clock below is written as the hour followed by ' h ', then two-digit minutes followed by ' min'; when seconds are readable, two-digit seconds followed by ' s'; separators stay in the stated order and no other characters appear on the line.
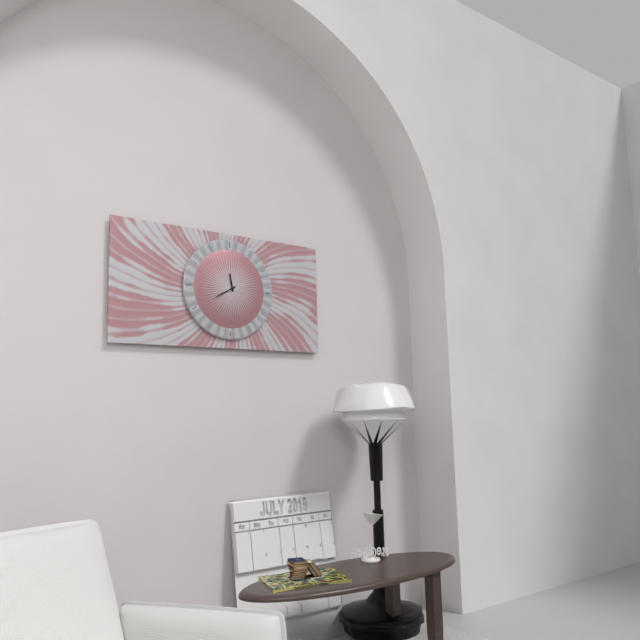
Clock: 11 h 40 min
